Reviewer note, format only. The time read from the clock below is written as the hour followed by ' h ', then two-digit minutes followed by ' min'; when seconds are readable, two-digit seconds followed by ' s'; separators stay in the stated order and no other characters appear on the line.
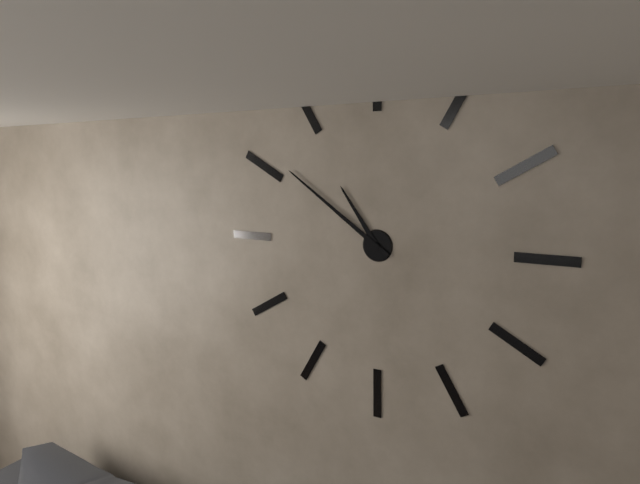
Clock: 10 h 51 min
